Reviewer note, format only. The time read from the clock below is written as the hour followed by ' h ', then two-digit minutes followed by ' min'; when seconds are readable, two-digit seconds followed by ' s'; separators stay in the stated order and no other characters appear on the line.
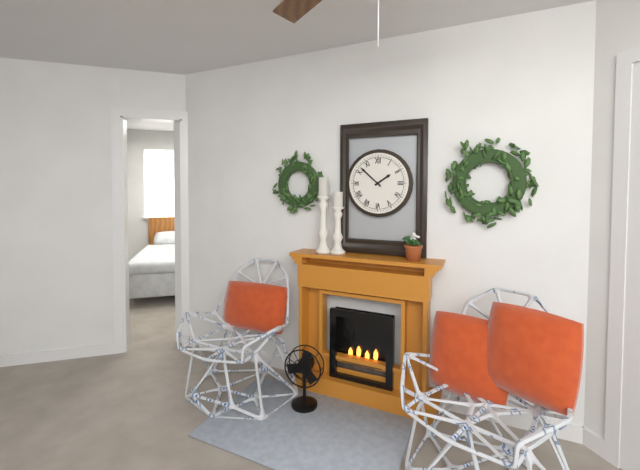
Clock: 1 h 52 min
